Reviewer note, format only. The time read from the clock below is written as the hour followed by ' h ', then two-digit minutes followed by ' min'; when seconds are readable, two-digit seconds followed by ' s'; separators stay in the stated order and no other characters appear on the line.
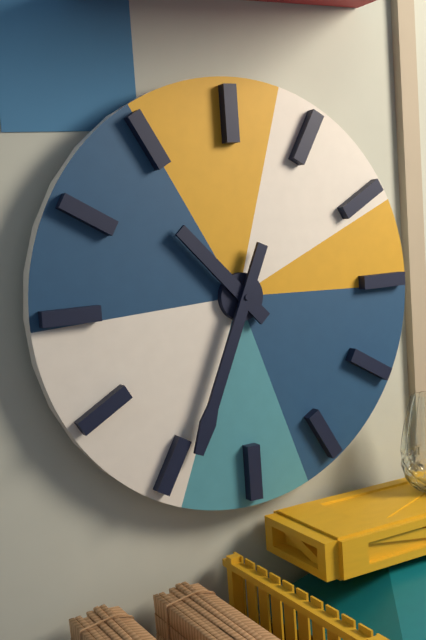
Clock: 10 h 34 min
